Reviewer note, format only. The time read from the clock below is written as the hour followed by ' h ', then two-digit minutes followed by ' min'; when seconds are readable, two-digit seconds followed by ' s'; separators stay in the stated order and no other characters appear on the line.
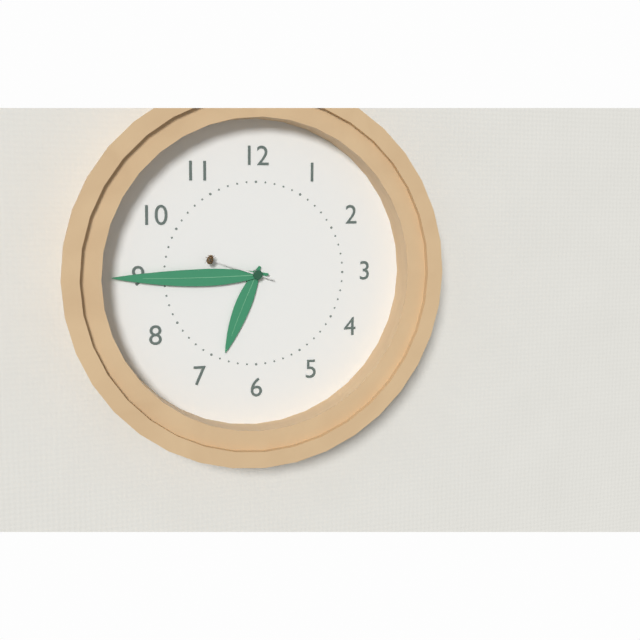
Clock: 6 h 45 min 48 s
